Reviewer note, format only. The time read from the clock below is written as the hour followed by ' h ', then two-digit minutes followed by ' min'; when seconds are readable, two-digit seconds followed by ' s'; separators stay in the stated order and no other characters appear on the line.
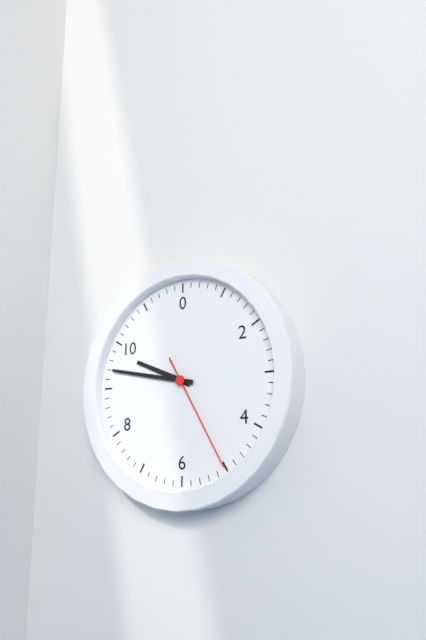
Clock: 9 h 47 min 25 s
